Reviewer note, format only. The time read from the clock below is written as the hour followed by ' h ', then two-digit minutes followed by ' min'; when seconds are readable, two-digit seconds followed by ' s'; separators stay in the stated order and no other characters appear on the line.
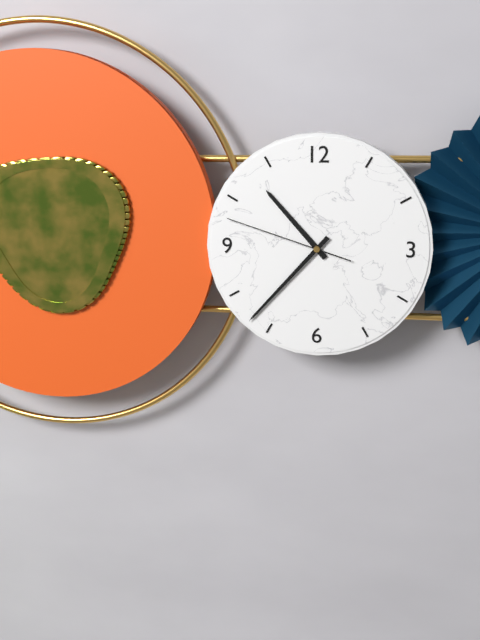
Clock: 10 h 37 min 48 s
